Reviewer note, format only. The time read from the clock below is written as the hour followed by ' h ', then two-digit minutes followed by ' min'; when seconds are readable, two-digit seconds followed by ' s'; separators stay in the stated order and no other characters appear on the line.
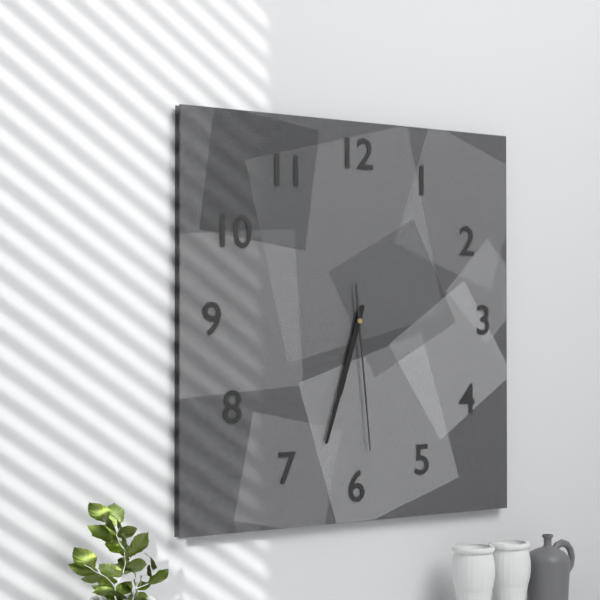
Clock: 6 h 33 min 29 s
